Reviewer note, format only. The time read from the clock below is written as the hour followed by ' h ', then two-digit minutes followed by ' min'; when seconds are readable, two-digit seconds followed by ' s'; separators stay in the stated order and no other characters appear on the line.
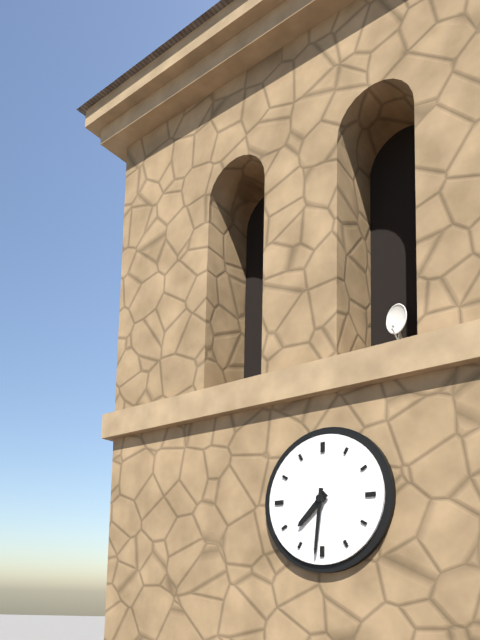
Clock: 7 h 31 min
